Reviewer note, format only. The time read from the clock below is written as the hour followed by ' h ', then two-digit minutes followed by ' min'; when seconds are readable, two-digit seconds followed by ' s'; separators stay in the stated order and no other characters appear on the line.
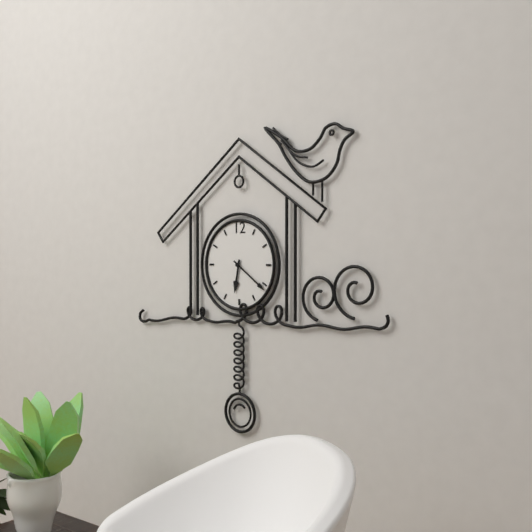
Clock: 6 h 21 min
